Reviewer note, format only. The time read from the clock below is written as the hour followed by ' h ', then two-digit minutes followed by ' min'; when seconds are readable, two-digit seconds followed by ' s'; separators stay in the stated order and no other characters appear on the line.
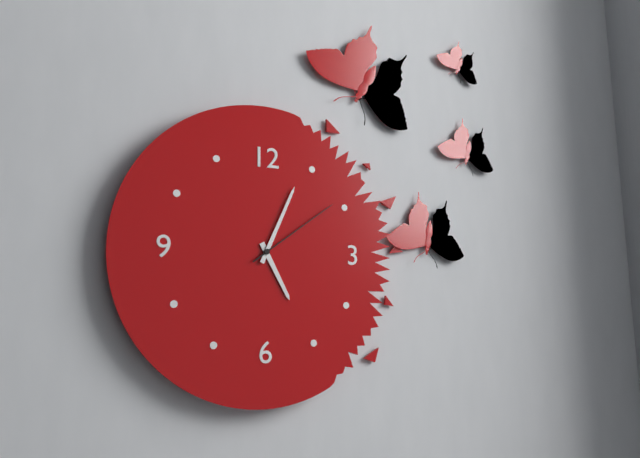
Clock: 5 h 04 min 09 s
